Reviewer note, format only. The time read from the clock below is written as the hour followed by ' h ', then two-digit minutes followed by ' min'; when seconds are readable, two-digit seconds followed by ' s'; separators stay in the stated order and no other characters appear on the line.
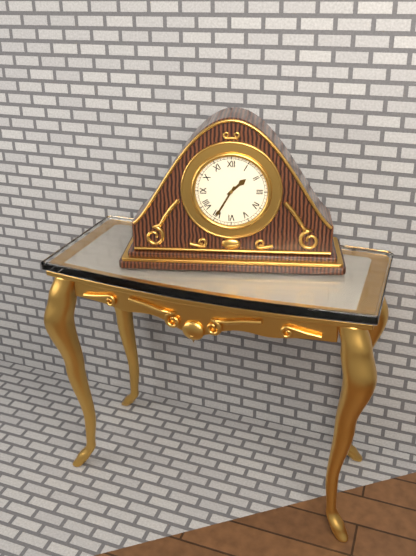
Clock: 1 h 35 min
